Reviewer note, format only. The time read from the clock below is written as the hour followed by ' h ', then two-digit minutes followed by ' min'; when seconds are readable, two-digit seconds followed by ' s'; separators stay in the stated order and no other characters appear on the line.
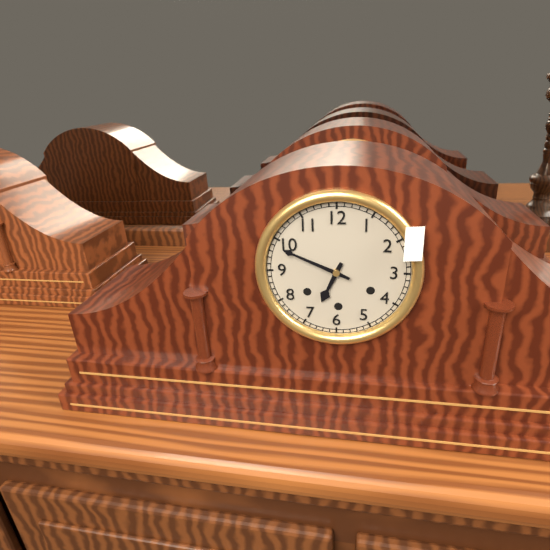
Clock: 6 h 49 min
